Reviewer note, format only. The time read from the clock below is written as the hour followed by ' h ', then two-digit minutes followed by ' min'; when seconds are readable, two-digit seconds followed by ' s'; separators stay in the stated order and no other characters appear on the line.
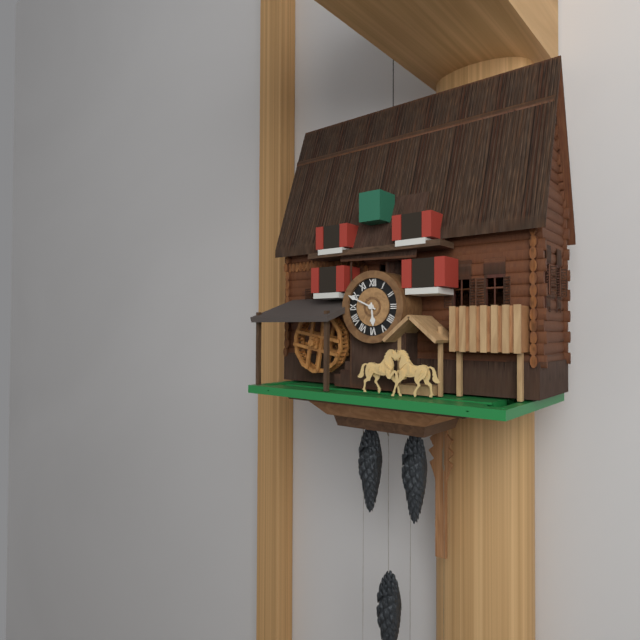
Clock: 5 h 49 min
